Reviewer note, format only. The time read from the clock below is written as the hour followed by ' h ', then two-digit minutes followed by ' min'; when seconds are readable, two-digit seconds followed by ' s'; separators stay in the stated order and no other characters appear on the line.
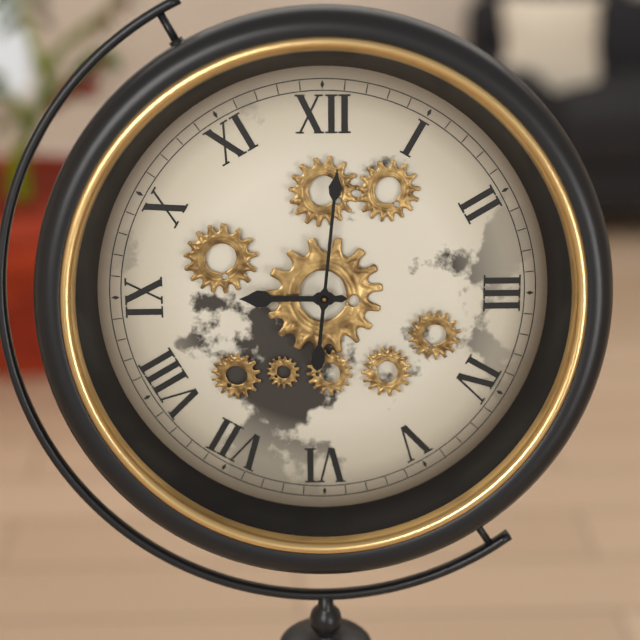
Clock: 9 h 01 min
